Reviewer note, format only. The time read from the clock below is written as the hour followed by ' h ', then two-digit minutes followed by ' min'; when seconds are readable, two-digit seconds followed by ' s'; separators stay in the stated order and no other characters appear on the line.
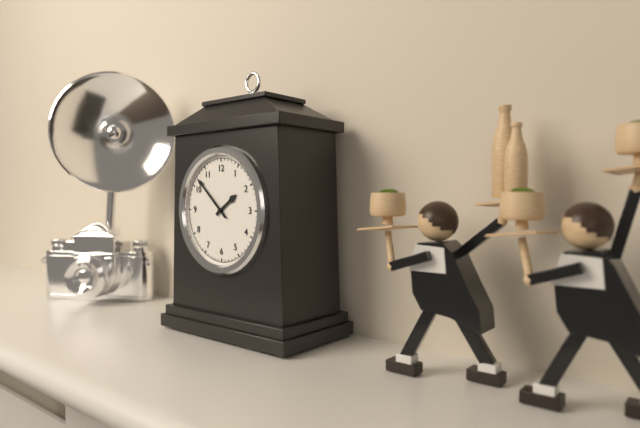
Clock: 1 h 52 min
